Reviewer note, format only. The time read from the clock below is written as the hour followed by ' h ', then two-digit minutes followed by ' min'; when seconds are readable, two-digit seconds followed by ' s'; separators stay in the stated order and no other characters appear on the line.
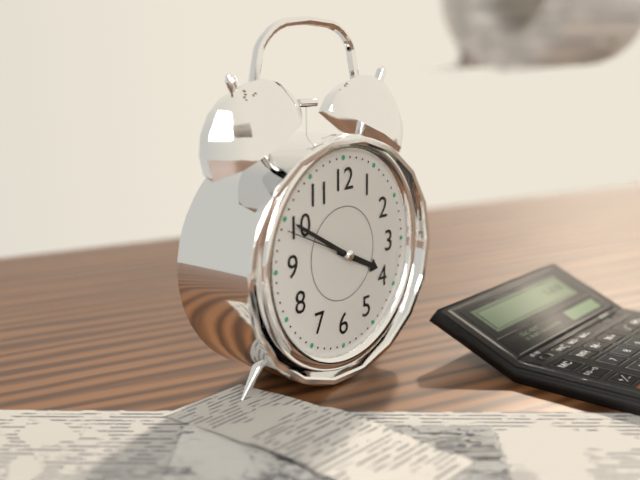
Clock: 3 h 50 min 49 s
